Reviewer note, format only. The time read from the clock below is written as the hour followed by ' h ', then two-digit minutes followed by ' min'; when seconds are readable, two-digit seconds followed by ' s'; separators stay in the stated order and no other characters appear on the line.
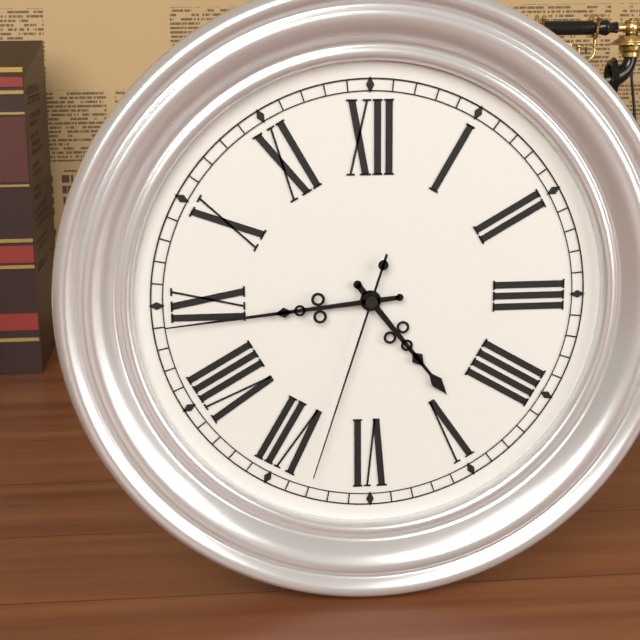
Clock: 4 h 44 min 33 s
